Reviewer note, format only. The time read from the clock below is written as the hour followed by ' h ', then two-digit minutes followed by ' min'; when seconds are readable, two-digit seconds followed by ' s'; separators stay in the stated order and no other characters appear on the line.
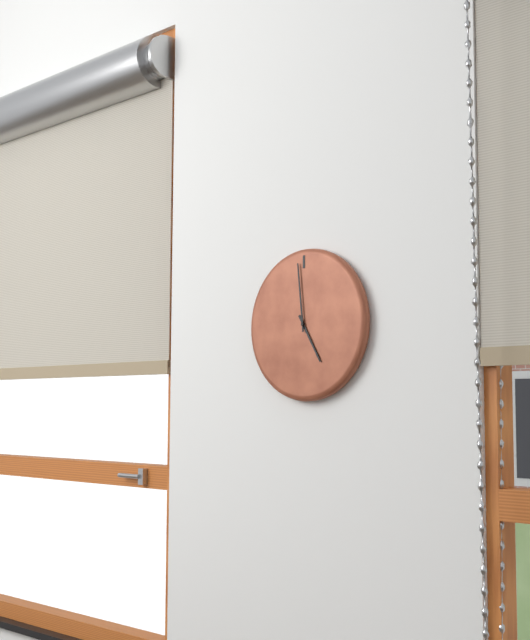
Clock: 4 h 59 min
